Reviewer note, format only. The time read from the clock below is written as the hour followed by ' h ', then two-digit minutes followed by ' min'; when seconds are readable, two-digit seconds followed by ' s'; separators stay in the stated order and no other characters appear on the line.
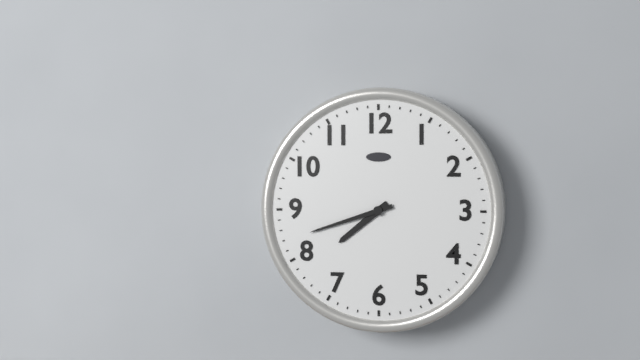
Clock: 7 h 42 min
